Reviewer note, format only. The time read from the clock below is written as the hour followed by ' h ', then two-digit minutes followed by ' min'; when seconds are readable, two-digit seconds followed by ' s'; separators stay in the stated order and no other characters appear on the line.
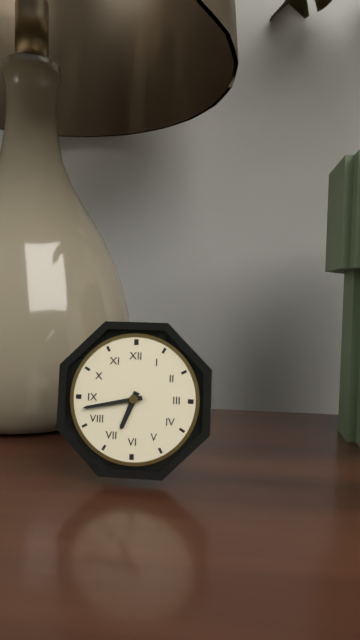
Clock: 6 h 43 min
